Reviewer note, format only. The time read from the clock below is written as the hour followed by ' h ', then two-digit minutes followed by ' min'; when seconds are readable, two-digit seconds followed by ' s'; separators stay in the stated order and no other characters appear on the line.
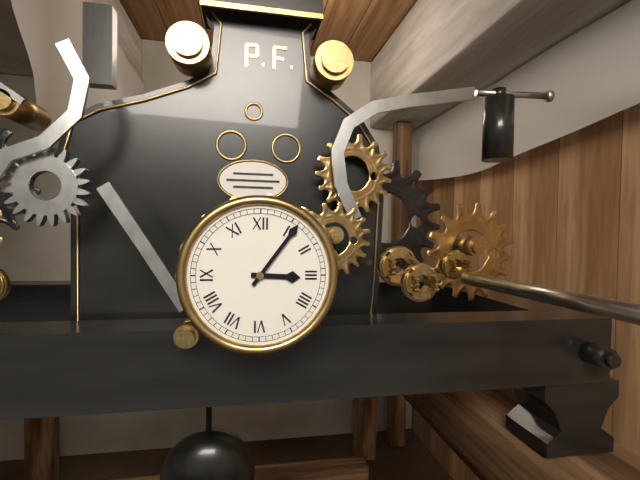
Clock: 3 h 06 min
